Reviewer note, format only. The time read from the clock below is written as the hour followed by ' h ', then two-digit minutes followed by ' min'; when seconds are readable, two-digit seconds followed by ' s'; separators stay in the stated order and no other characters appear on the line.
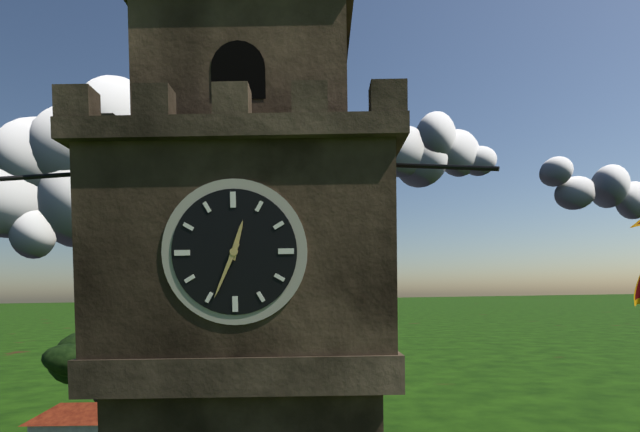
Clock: 12 h 34 min
